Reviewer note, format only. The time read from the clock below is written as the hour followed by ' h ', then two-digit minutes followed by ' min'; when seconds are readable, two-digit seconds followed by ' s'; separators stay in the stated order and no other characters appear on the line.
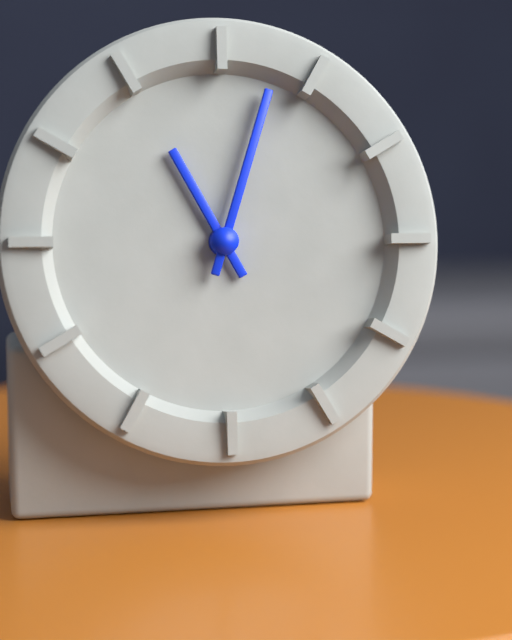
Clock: 11 h 03 min
